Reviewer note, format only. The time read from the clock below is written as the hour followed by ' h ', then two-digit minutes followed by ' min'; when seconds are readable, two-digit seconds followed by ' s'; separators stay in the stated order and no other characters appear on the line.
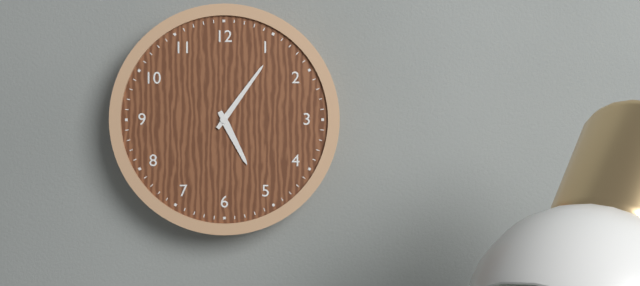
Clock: 5 h 06 min
